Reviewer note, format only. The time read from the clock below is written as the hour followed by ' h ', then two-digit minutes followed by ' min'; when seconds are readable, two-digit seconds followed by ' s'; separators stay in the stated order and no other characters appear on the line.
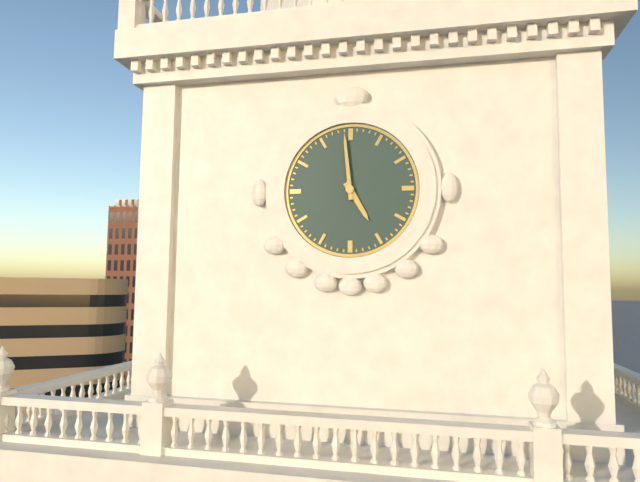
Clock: 4 h 59 min
